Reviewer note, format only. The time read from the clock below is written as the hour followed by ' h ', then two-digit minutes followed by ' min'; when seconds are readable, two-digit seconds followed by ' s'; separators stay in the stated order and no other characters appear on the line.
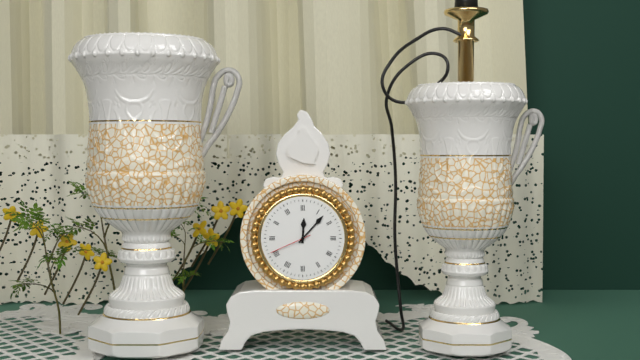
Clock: 12 h 07 min
